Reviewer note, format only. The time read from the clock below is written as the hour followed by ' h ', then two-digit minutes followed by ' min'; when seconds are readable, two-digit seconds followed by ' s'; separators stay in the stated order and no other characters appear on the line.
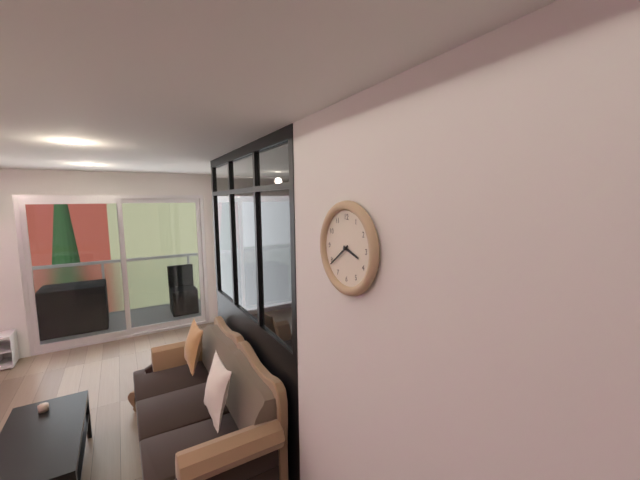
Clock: 3 h 39 min
